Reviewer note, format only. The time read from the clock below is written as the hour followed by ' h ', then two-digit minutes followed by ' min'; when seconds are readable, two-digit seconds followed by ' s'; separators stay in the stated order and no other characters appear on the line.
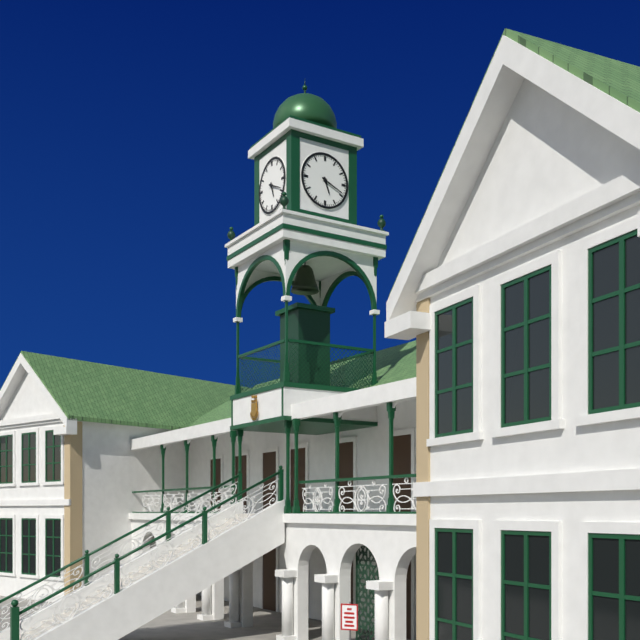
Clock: 5 h 19 min
